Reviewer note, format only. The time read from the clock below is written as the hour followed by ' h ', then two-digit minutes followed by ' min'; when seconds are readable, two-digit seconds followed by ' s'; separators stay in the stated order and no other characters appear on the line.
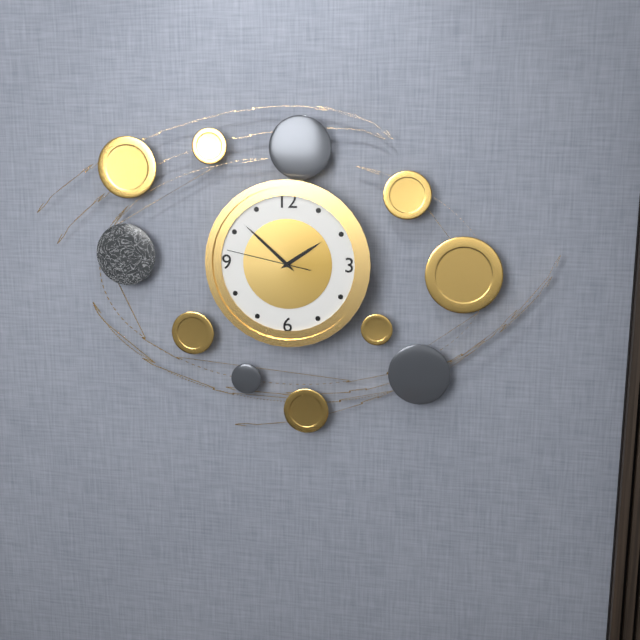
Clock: 1 h 52 min 47 s
